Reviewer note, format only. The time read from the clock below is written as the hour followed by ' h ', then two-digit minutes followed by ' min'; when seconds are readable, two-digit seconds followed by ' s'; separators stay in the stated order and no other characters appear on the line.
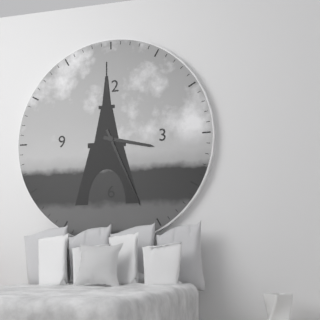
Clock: 3 h 26 min
